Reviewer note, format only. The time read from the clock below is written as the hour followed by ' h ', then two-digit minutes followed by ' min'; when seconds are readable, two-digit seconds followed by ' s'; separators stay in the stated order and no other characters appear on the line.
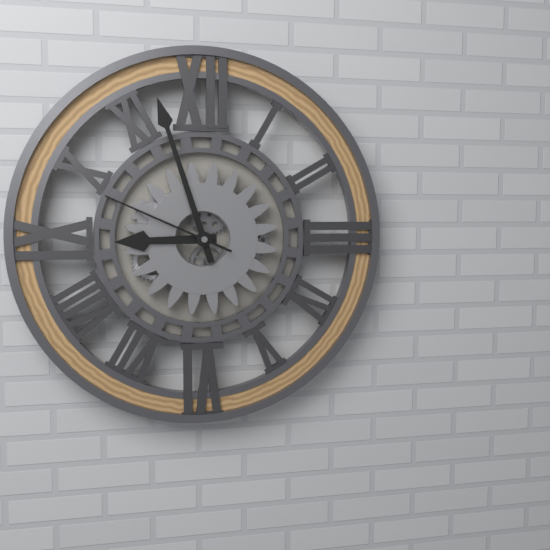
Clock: 8 h 57 min 49 s
